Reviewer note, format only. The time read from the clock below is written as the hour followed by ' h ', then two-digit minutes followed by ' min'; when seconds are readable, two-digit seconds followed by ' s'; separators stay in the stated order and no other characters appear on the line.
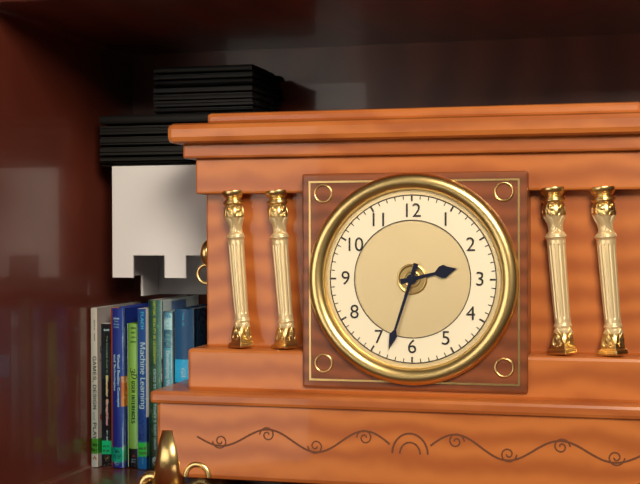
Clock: 2 h 33 min
